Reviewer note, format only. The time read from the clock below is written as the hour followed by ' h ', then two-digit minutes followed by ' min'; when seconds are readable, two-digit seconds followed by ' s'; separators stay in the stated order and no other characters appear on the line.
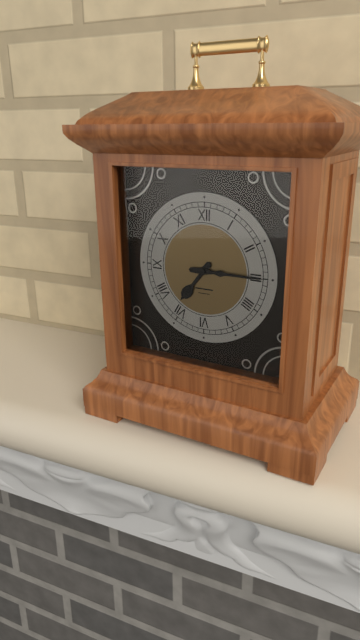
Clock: 7 h 15 min
